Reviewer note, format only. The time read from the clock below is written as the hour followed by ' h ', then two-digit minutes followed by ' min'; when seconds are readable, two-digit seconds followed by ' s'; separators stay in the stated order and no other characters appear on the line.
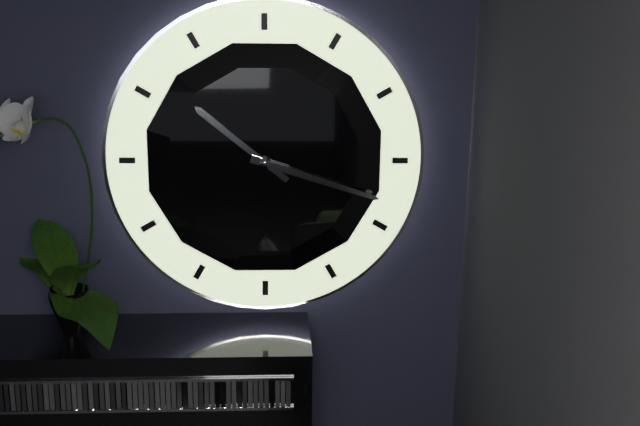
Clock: 10 h 18 min
